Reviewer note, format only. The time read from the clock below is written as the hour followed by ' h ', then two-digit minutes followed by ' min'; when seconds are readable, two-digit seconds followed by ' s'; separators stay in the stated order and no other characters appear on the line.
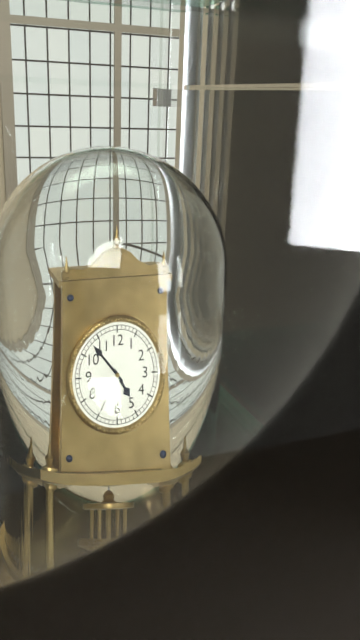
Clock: 4 h 53 min
